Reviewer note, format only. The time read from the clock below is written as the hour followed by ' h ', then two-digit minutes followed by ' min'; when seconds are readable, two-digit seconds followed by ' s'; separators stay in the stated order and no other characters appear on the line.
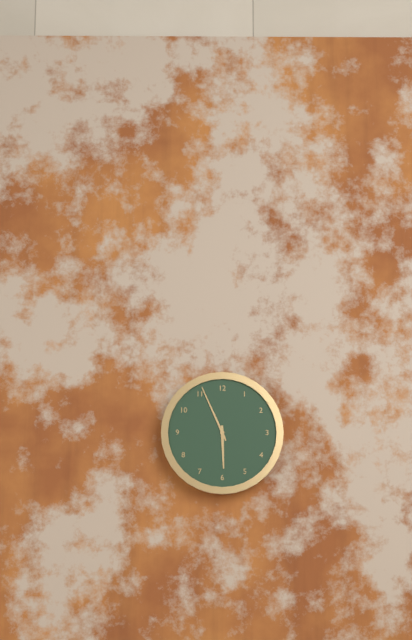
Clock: 5 h 56 min
